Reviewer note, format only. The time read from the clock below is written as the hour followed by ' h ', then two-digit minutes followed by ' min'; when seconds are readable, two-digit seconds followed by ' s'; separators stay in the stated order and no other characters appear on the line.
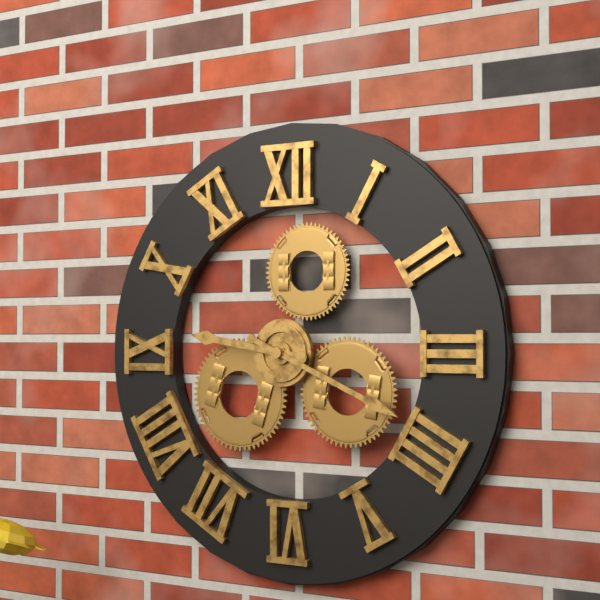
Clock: 9 h 19 min
